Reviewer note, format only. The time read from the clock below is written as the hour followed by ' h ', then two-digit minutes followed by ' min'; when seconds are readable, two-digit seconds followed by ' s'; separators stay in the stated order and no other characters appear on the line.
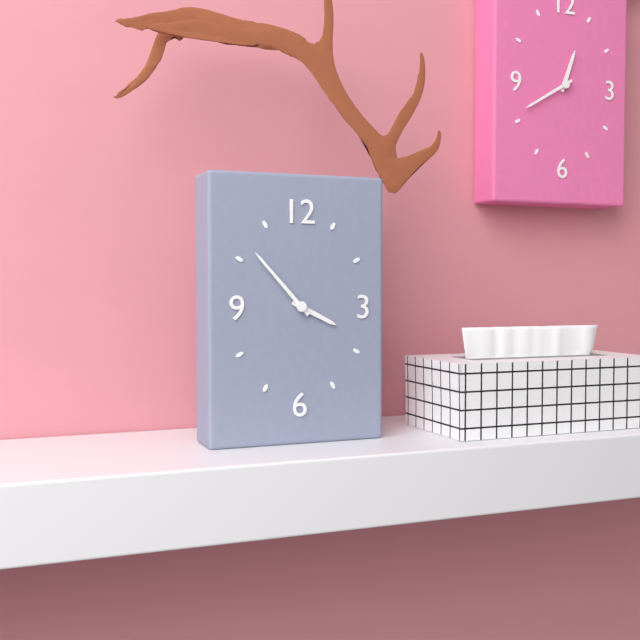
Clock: 3 h 53 min
